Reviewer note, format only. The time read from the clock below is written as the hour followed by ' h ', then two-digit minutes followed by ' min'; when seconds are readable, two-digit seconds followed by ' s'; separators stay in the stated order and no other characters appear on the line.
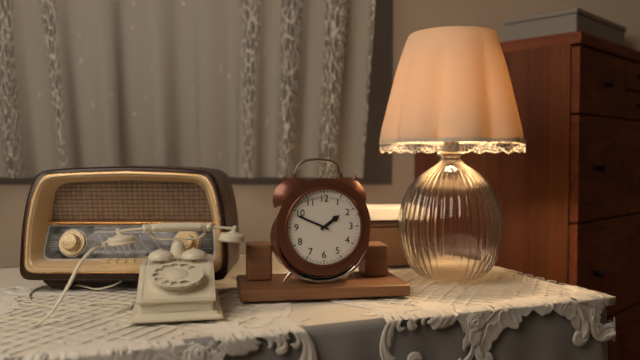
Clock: 1 h 49 min
